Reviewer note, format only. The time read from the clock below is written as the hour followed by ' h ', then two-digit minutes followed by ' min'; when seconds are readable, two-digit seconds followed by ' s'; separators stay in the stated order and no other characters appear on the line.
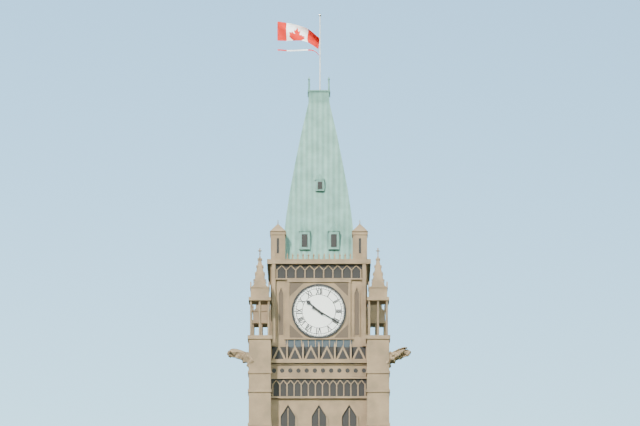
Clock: 10 h 20 min
